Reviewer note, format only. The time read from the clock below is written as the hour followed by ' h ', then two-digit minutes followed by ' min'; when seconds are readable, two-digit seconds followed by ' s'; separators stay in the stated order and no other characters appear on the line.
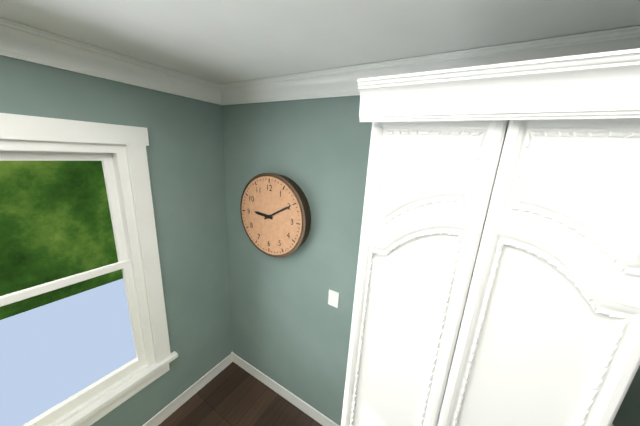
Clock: 9 h 10 min
